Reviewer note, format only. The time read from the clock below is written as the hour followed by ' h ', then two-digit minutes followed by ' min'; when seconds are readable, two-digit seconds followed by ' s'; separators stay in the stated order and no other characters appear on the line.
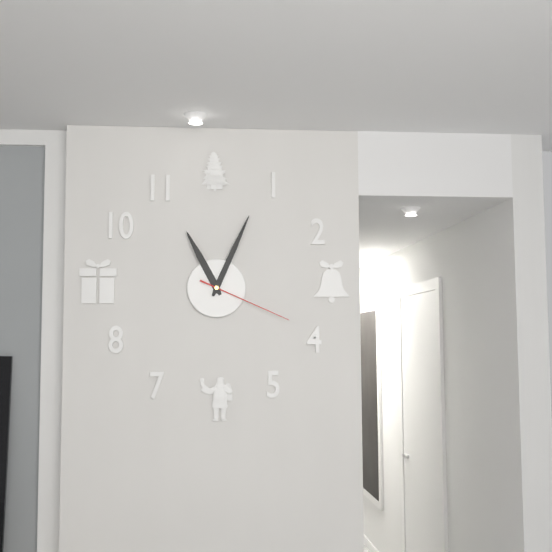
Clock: 11 h 04 min 19 s
